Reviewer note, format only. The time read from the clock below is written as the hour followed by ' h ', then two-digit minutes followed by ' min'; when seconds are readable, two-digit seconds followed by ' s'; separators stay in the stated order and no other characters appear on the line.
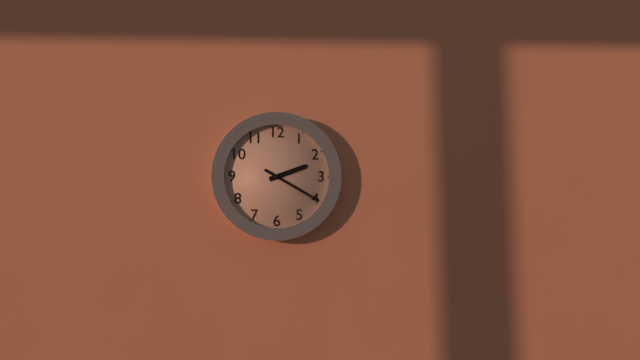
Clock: 2 h 20 min
